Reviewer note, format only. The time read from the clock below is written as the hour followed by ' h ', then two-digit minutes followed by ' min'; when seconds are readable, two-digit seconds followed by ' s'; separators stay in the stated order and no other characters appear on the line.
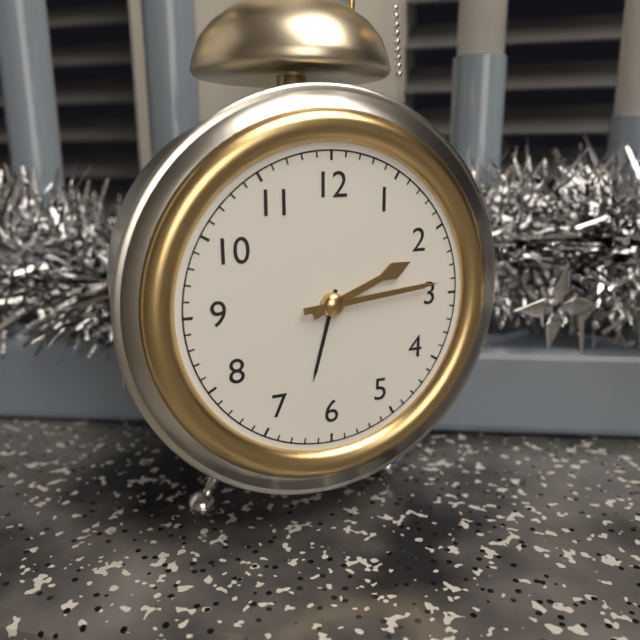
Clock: 2 h 14 min
